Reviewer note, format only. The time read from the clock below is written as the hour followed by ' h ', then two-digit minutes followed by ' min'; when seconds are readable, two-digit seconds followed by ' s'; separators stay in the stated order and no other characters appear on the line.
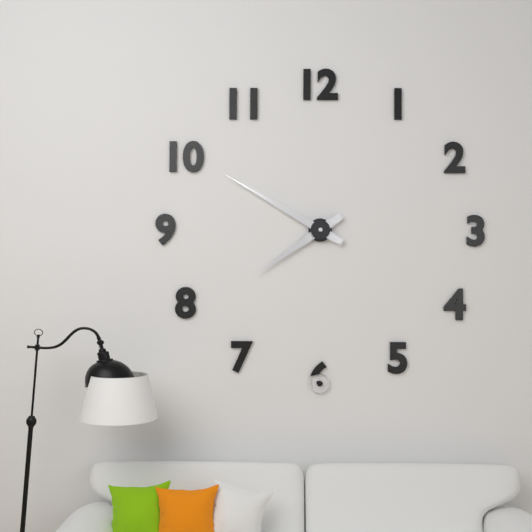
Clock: 7 h 50 min
